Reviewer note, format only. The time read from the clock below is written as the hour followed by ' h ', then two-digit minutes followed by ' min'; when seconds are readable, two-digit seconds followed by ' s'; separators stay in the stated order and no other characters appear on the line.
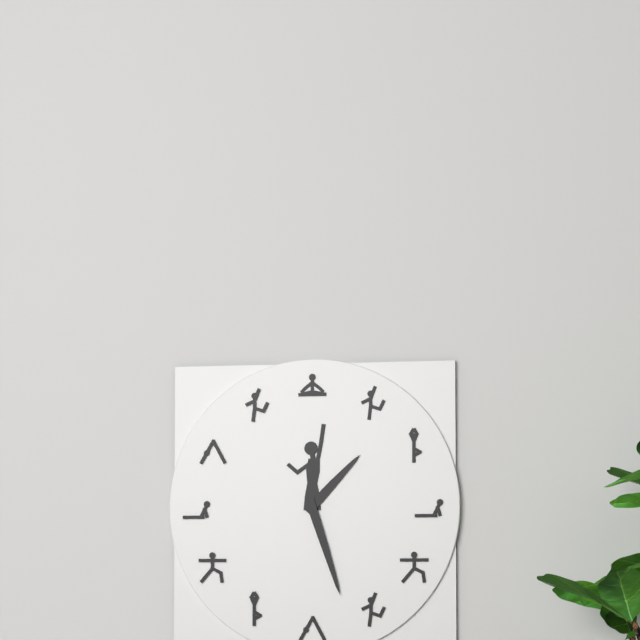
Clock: 1 h 27 min
